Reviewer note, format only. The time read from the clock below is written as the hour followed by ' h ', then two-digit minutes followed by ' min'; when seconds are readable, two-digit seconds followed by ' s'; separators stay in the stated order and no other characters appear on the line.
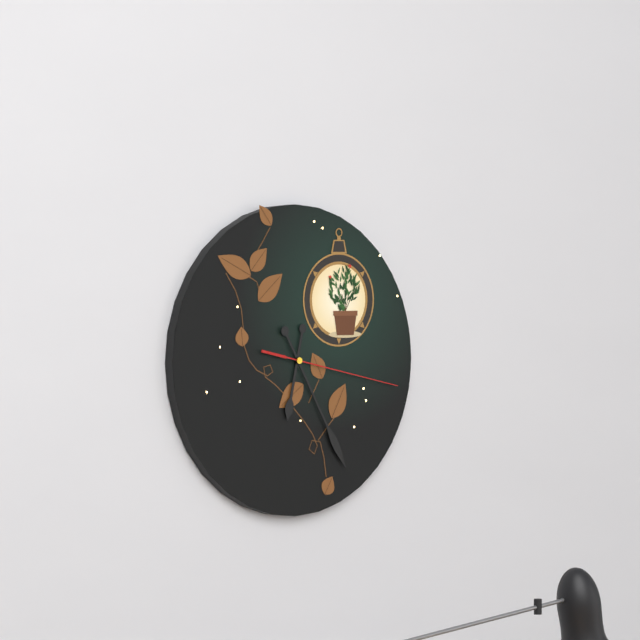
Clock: 6 h 25 min 17 s
